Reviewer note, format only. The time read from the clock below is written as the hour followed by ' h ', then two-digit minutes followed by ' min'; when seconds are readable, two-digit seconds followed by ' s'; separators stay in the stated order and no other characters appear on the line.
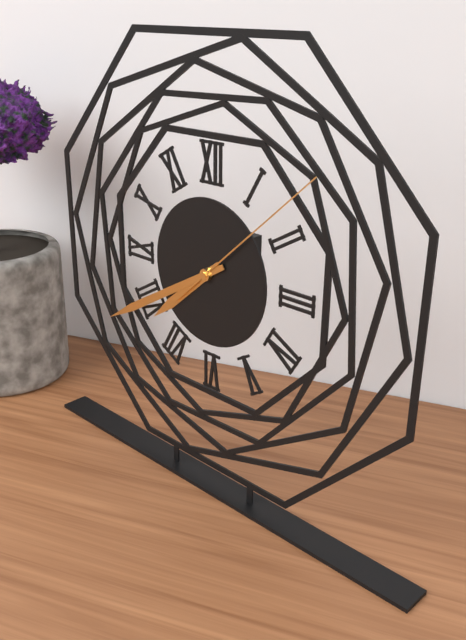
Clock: 7 h 40 min 08 s
